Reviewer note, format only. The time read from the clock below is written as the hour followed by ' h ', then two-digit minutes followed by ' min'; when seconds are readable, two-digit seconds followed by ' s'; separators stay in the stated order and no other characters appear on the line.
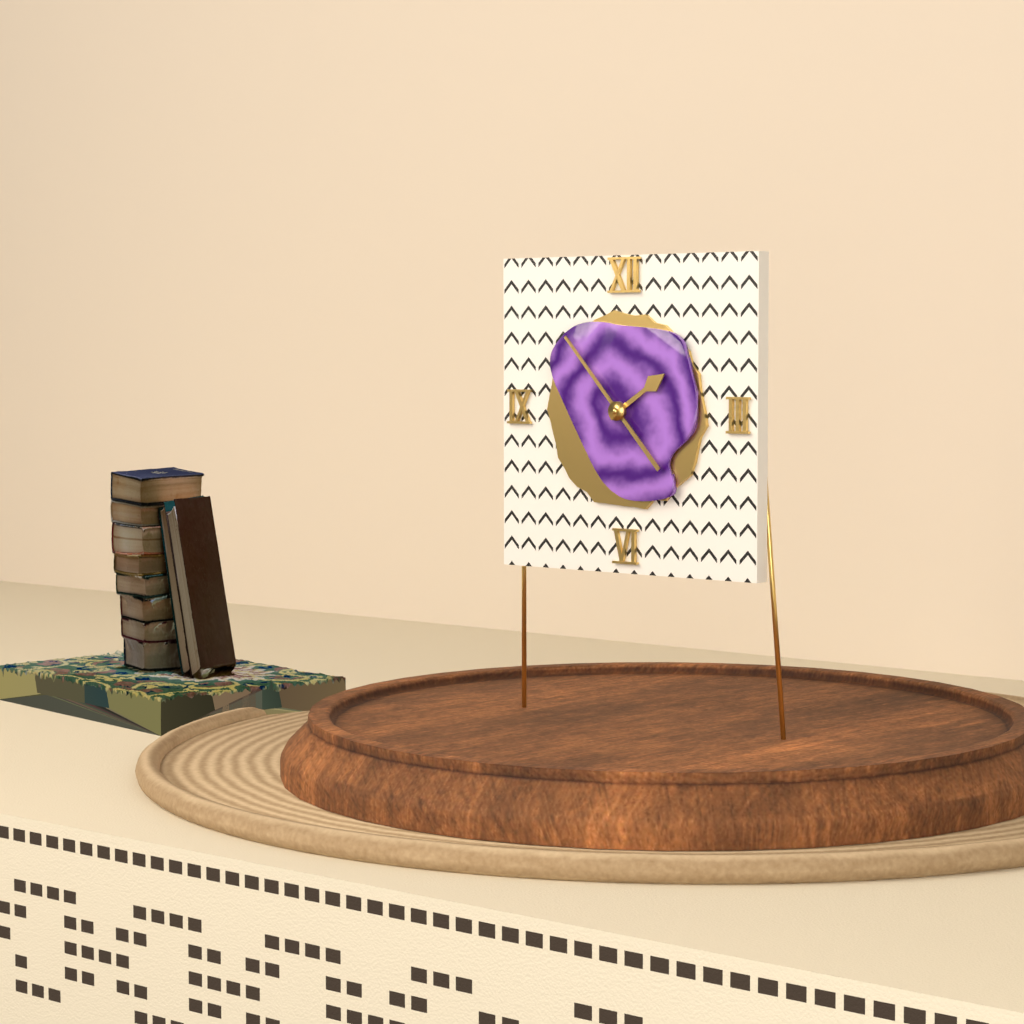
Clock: 1 h 53 min
